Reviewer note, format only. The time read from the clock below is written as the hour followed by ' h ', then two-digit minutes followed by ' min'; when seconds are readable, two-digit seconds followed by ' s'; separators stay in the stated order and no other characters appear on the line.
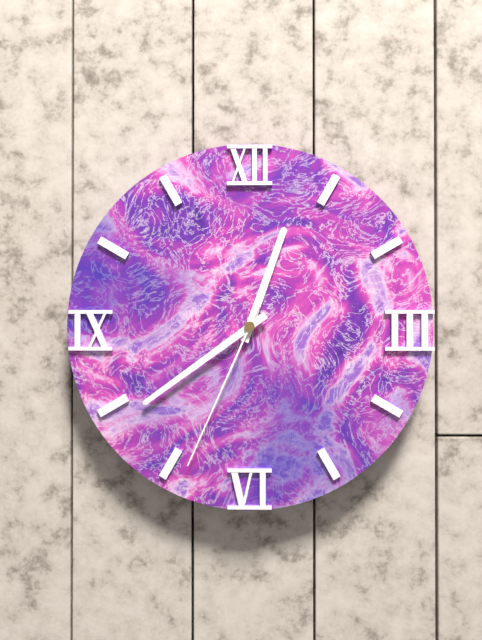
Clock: 12 h 39 min 34 s
